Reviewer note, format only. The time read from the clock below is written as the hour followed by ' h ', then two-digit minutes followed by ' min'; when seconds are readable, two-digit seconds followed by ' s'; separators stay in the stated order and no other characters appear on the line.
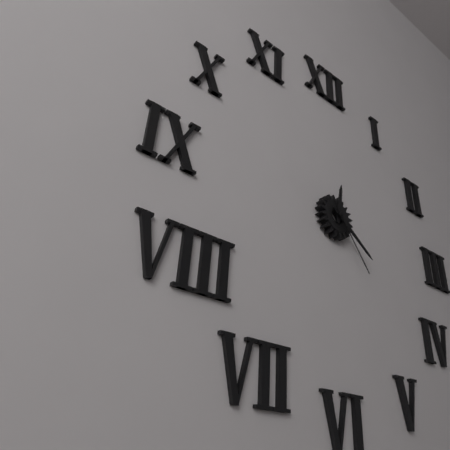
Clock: 12 h 21 min 24 s
